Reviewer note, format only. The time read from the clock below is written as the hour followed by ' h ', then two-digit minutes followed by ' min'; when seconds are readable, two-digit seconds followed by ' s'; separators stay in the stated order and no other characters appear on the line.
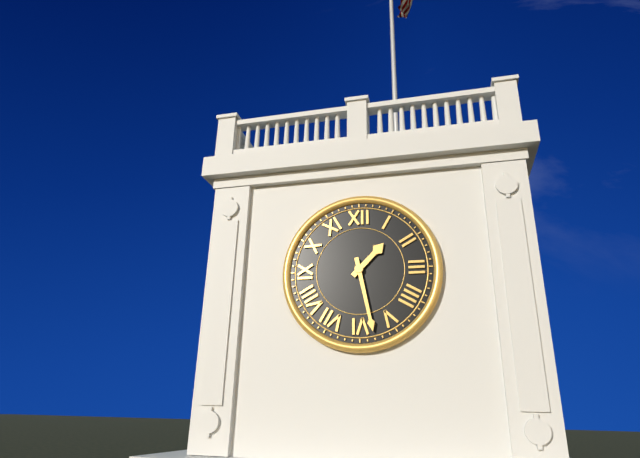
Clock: 1 h 28 min
